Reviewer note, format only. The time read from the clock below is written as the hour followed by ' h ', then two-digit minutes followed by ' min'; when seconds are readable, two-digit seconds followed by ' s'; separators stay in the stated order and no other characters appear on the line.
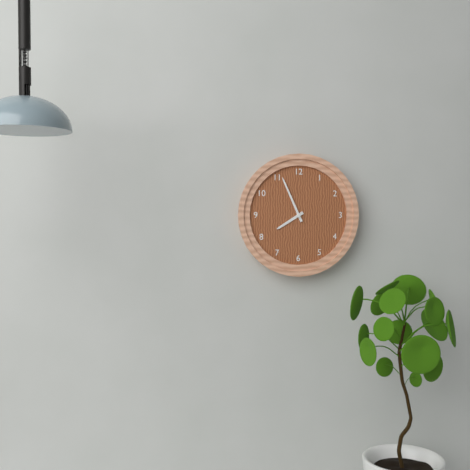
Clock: 7 h 56 min
